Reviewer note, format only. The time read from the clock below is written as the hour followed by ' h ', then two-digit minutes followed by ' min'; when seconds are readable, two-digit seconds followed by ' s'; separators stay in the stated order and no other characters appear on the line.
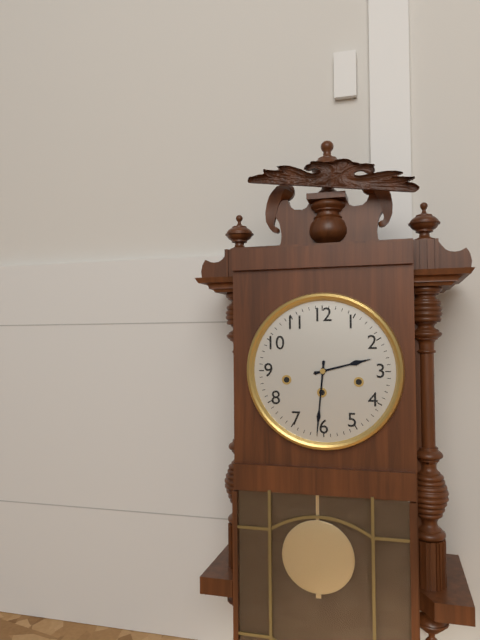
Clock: 2 h 31 min
